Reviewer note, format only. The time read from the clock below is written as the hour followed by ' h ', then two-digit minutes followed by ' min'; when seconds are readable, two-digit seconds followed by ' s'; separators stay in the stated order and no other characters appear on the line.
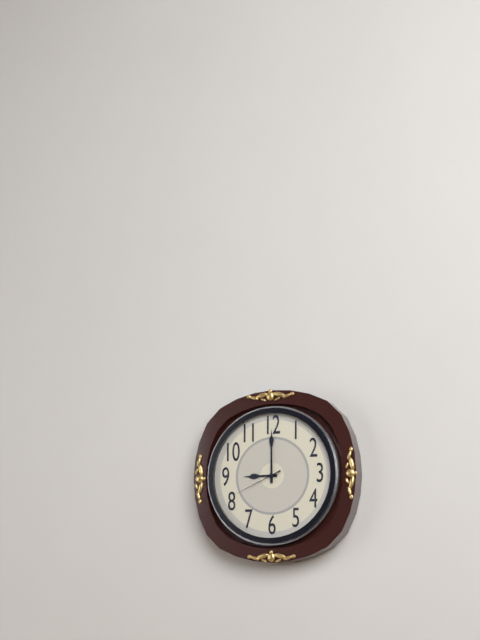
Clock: 9 h 00 min 41 s
